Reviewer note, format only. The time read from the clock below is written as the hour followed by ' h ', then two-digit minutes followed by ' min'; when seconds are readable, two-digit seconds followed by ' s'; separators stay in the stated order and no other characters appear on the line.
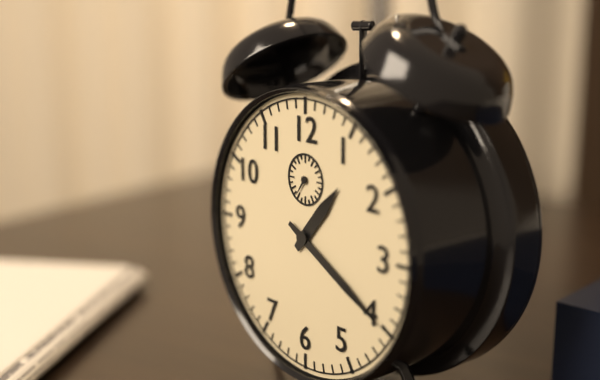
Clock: 1 h 20 min
